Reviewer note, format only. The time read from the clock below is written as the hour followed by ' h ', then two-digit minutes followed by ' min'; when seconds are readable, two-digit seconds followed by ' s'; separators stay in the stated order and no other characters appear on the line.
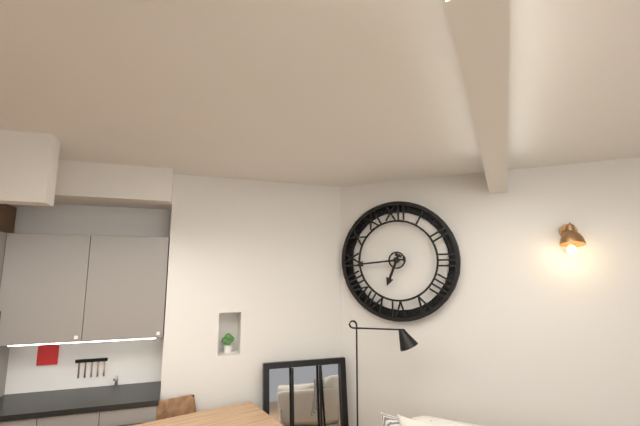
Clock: 6 h 44 min
